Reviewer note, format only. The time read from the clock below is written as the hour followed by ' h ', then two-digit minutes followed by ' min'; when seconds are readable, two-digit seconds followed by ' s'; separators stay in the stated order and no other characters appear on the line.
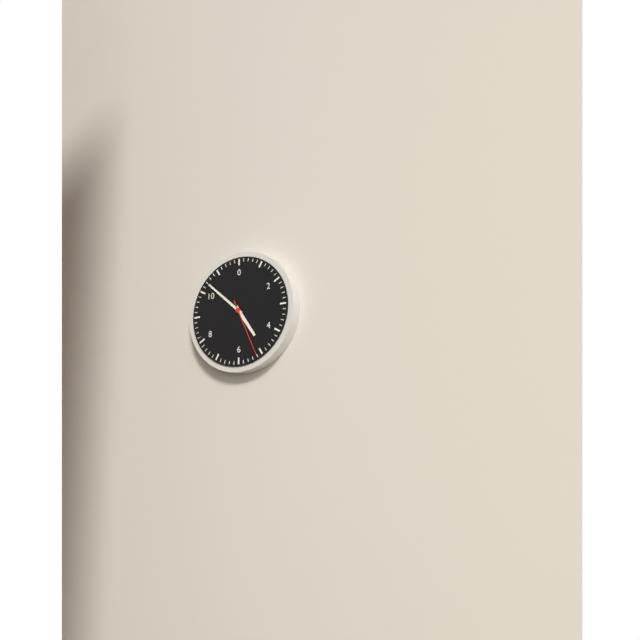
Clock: 4 h 52 min 26 s
